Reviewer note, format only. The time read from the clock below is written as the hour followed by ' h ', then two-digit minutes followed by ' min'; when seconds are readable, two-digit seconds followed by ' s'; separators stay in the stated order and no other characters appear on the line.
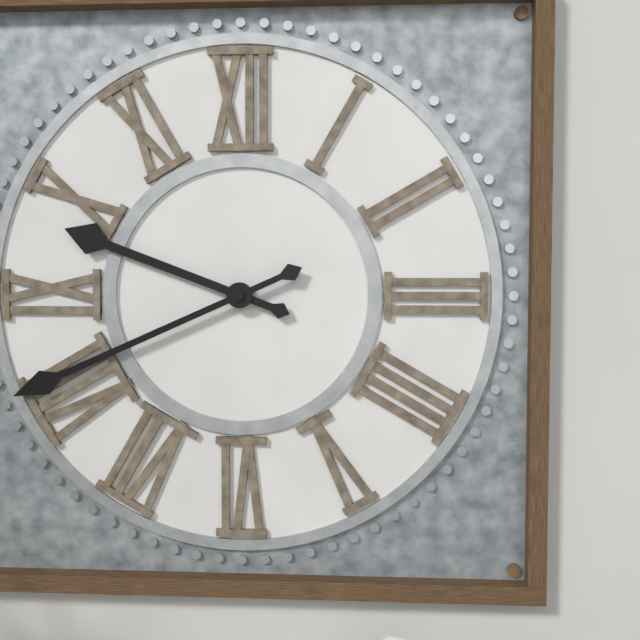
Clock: 9 h 41 min
